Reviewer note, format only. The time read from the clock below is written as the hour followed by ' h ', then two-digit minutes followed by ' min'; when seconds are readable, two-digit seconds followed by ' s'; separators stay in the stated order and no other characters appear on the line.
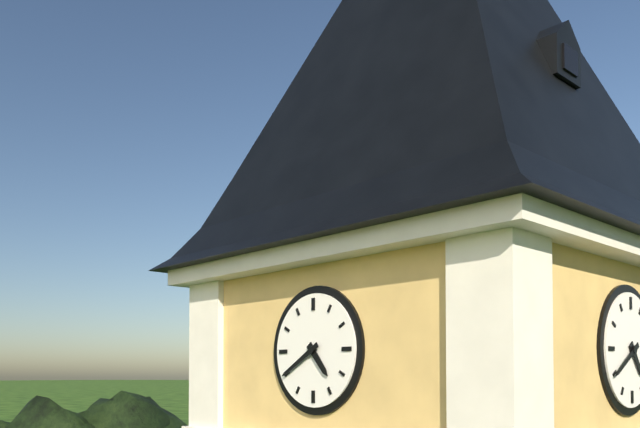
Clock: 4 h 40 min
